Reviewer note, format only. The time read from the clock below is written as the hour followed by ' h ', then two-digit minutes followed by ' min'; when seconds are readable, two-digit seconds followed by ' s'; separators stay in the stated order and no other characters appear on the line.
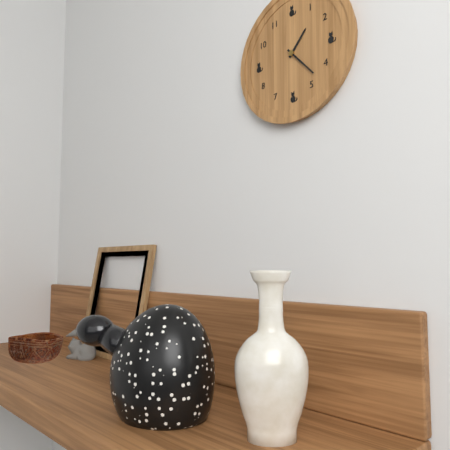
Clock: 1 h 23 min
